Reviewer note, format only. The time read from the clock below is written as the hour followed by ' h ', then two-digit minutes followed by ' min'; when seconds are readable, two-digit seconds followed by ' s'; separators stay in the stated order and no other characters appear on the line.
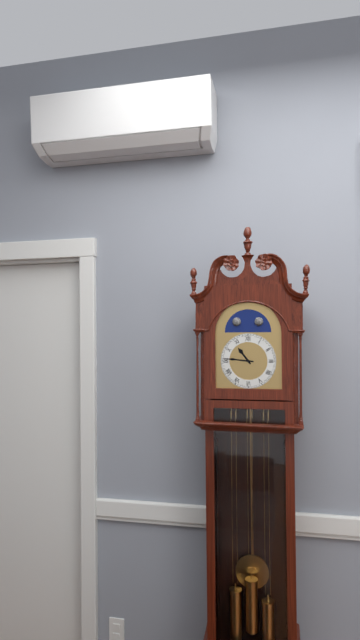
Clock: 10 h 46 min
